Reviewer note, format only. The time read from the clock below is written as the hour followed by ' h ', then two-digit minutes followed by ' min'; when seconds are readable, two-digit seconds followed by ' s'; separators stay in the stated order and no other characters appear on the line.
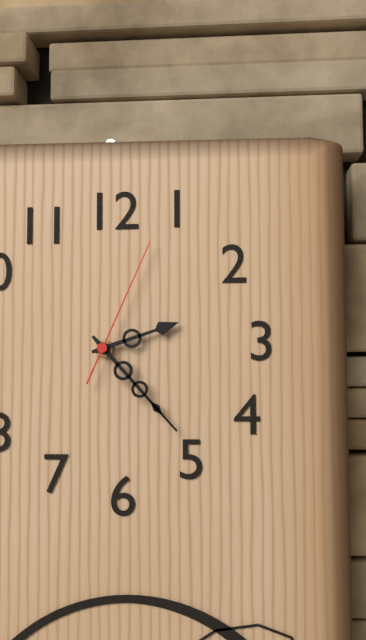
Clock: 2 h 23 min 04 s
